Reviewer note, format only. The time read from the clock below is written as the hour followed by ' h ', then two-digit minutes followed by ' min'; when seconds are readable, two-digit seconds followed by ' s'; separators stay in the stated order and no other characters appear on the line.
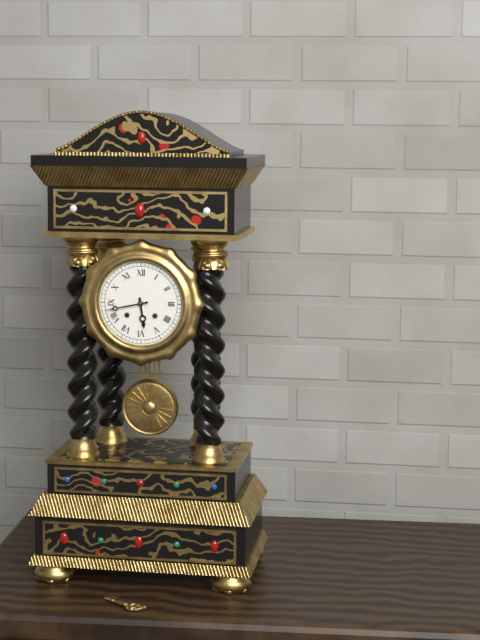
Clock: 5 h 43 min
